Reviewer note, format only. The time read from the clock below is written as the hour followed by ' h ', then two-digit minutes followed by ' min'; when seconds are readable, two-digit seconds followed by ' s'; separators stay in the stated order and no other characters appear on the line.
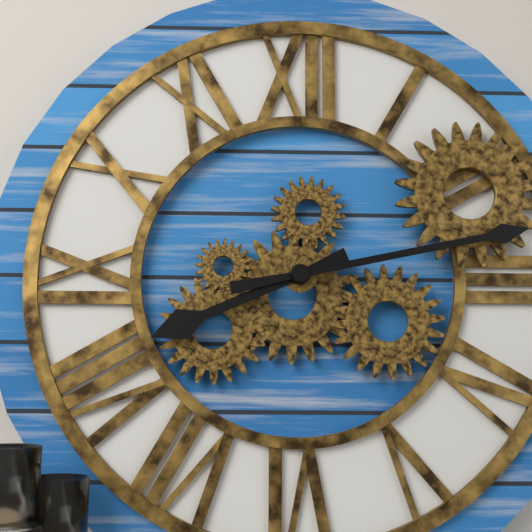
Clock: 8 h 13 min
